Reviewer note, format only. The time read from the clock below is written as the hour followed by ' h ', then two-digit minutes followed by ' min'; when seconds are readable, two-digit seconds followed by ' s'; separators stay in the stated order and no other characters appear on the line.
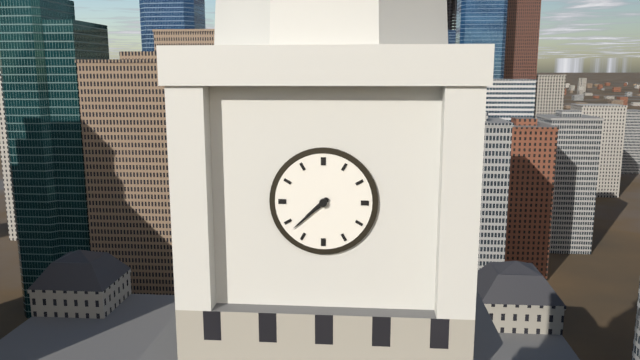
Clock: 7 h 38 min
